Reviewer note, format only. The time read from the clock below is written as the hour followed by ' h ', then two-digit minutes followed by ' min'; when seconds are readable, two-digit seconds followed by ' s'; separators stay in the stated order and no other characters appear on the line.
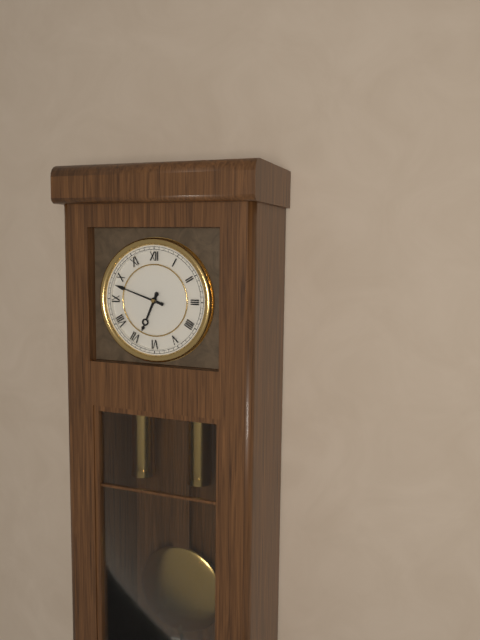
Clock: 6 h 48 min
